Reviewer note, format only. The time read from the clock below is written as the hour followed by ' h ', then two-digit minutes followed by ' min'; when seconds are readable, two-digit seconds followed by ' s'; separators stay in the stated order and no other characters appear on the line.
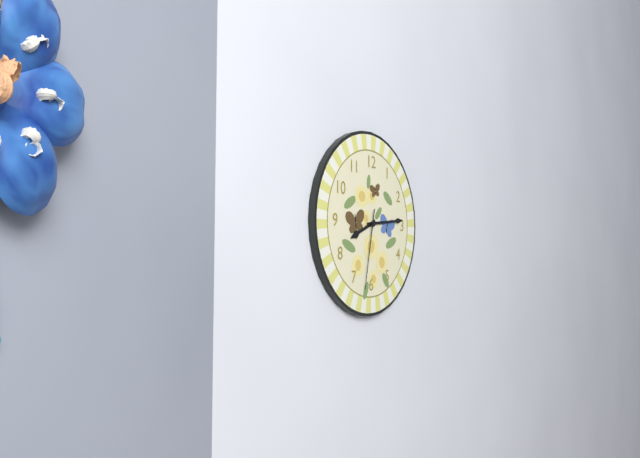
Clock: 8 h 14 min 32 s
